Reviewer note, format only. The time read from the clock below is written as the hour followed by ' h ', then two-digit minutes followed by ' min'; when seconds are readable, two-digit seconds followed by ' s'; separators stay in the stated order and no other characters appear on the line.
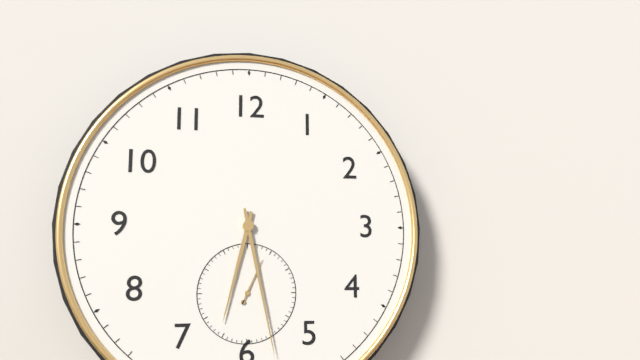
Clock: 6 h 28 min
